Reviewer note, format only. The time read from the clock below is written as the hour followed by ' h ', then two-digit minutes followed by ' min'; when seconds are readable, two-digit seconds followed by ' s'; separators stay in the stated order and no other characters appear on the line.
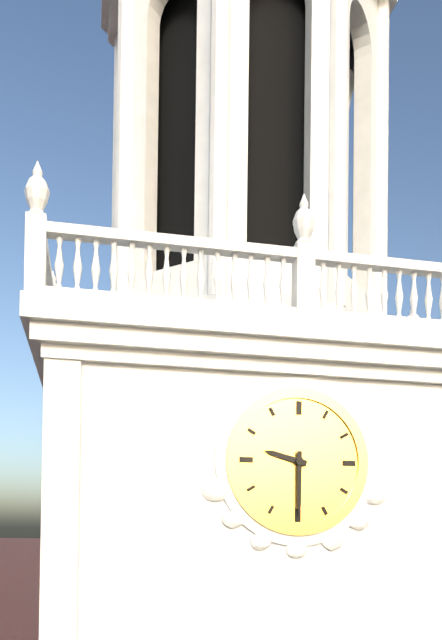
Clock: 9 h 30 min
